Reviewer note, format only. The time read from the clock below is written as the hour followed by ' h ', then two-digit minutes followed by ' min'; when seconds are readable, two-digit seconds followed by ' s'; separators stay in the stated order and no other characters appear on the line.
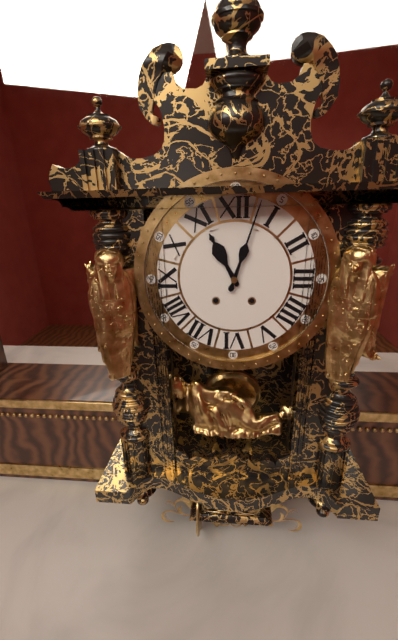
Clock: 11 h 03 min
